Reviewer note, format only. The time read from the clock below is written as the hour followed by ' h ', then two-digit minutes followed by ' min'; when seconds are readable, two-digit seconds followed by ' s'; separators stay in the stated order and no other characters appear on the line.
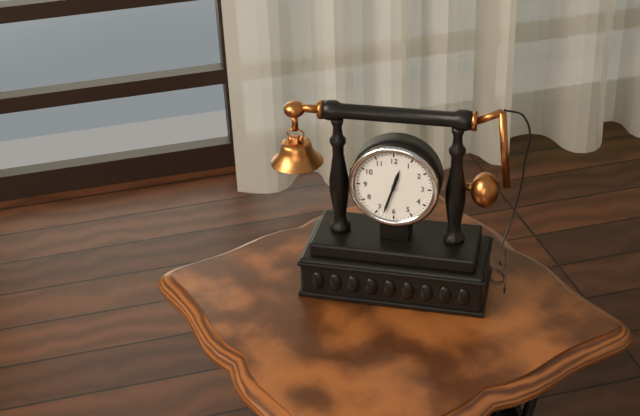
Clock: 12 h 33 min
